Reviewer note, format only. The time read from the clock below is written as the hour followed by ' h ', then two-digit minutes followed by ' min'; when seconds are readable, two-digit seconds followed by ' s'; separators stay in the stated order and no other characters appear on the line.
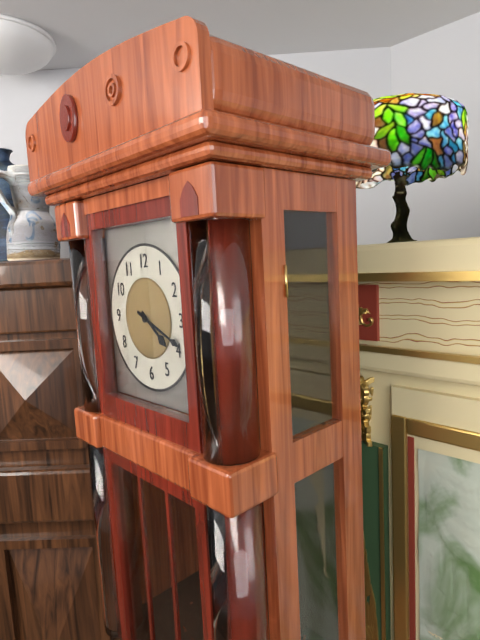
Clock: 4 h 19 min
